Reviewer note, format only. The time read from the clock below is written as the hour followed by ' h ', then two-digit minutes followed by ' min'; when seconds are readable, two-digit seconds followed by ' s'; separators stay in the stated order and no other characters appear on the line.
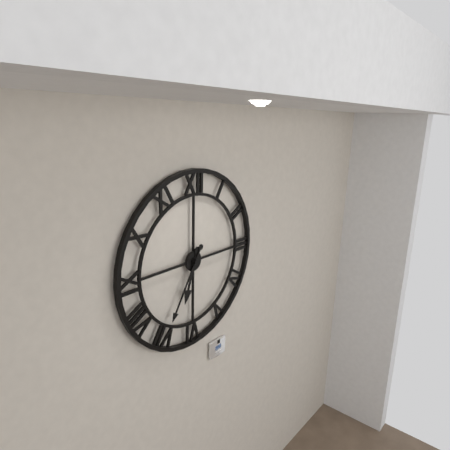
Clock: 6 h 35 min
